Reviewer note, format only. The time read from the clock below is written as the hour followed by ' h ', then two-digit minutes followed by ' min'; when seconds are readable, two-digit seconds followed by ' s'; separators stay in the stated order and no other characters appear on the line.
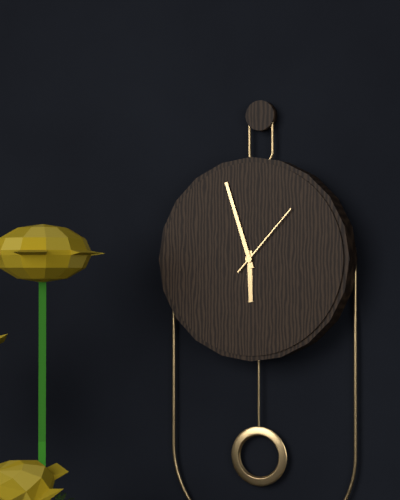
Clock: 5 h 57 min 07 s
